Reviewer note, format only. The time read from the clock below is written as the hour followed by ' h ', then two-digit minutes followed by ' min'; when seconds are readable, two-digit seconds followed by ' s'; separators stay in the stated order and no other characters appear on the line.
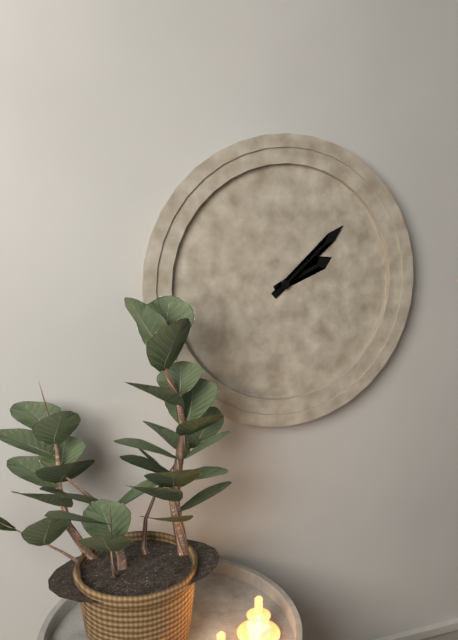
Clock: 2 h 08 min
